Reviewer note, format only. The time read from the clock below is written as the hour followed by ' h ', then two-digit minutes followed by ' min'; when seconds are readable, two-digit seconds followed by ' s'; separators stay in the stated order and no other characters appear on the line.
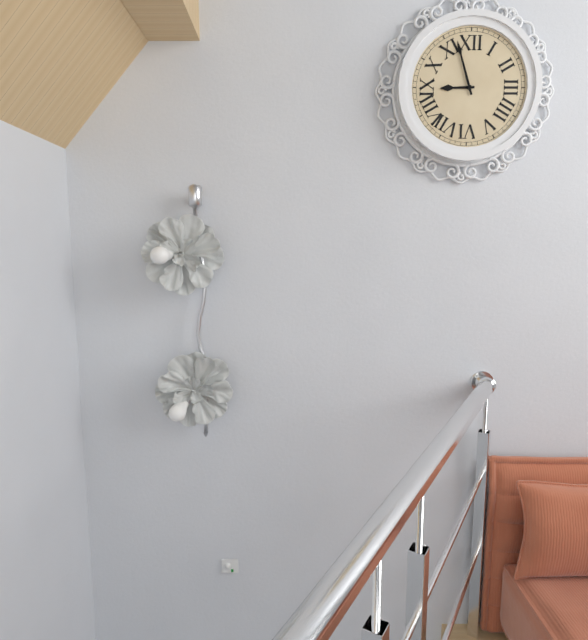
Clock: 8 h 57 min
